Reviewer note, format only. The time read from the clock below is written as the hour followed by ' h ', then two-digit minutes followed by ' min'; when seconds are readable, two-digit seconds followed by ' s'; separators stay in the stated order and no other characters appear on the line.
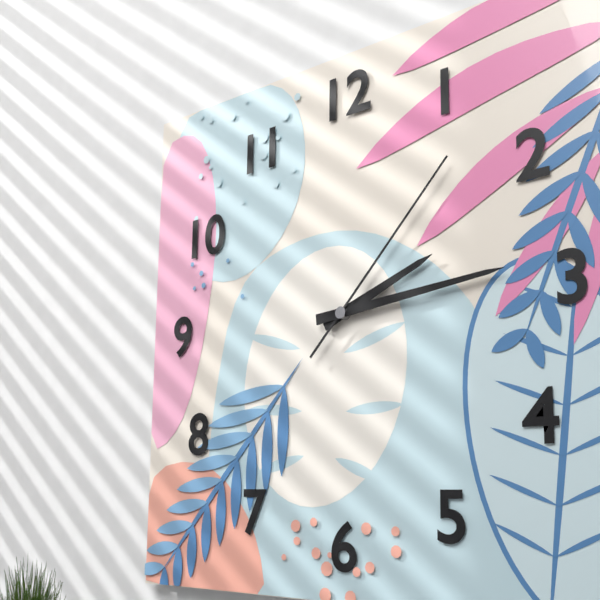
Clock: 2 h 14 min 07 s
